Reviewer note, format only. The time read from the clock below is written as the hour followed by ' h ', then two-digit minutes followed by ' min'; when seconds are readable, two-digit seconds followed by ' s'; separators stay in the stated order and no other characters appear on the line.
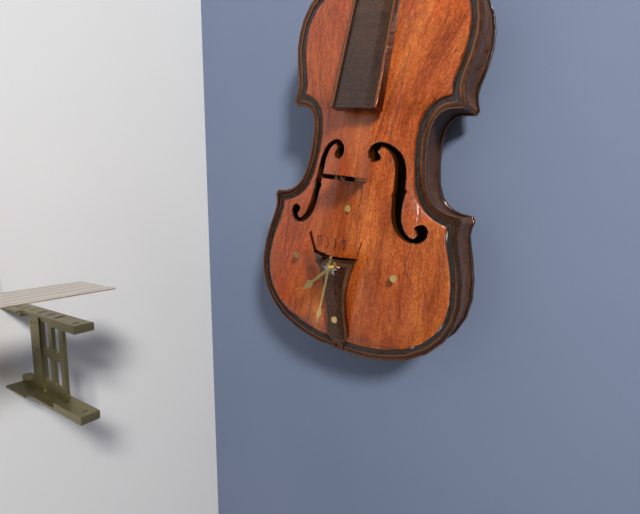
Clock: 7 h 31 min
